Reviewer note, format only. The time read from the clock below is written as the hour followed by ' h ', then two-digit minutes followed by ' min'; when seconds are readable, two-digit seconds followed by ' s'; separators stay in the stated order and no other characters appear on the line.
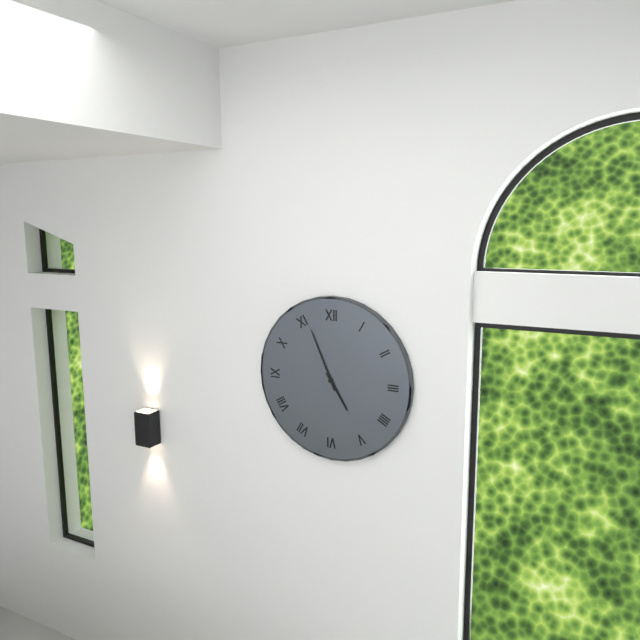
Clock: 4 h 56 min
